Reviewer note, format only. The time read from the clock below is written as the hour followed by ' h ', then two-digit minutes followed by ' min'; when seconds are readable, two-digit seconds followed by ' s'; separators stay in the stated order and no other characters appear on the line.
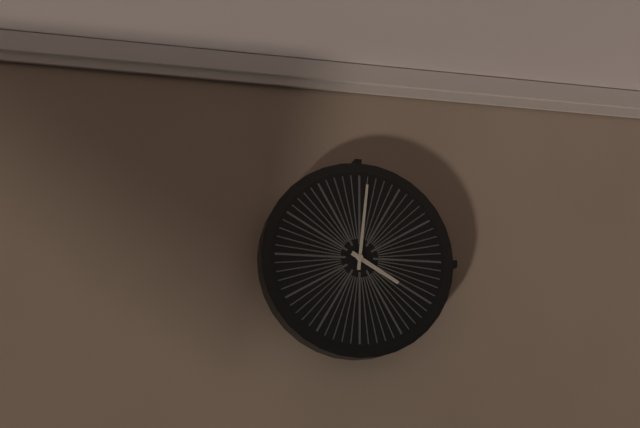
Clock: 4 h 01 min
